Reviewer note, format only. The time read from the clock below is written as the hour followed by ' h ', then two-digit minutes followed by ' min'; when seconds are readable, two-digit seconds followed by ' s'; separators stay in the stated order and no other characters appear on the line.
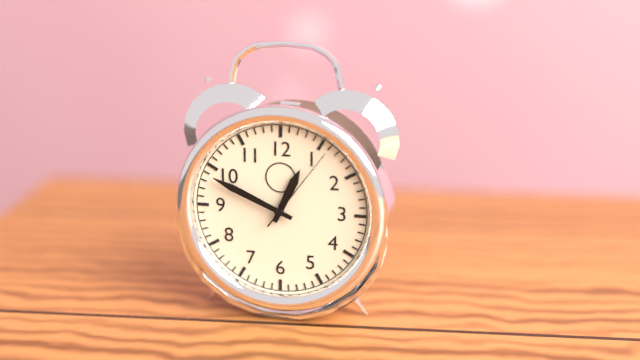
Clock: 12 h 49 min 06 s
